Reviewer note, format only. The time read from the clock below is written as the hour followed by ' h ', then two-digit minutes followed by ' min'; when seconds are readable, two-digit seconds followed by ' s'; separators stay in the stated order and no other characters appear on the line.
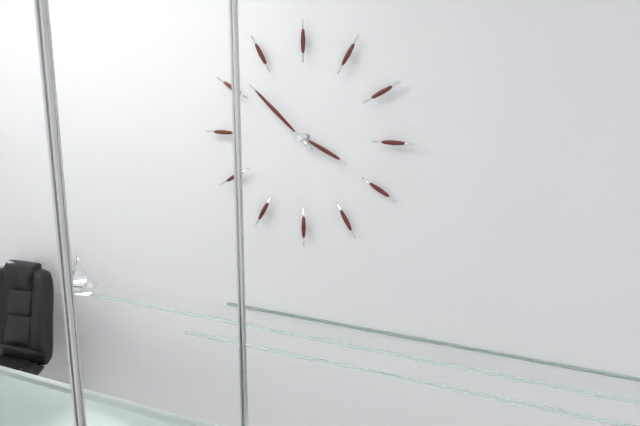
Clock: 3 h 52 min
